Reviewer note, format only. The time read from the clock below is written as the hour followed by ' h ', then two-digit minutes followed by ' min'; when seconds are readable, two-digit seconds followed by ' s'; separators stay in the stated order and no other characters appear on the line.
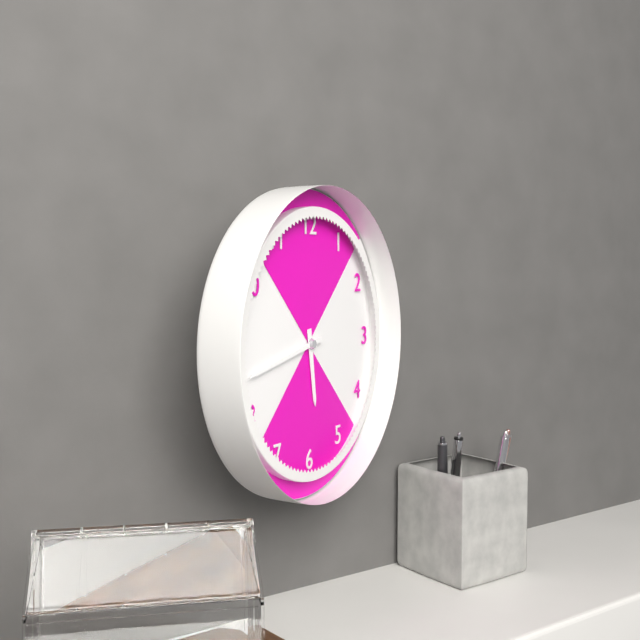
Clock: 5 h 43 min
